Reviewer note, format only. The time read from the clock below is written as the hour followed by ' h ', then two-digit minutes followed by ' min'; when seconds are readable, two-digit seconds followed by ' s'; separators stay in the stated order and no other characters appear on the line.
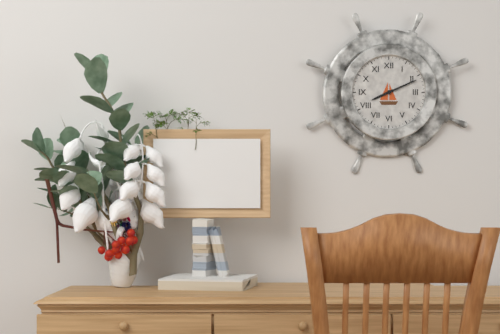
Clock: 8 h 11 min
